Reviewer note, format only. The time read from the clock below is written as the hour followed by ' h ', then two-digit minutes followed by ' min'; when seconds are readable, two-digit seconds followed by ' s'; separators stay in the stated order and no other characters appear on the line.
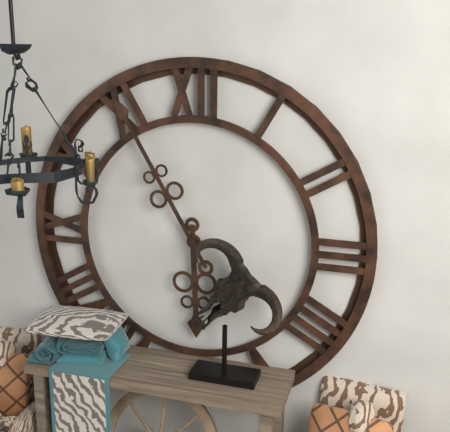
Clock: 5 h 55 min
